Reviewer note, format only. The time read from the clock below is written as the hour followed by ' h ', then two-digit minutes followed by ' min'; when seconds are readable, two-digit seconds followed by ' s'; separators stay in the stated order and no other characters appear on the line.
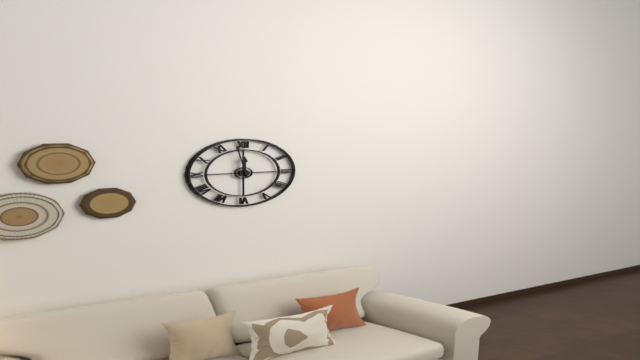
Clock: 11 h 58 min
